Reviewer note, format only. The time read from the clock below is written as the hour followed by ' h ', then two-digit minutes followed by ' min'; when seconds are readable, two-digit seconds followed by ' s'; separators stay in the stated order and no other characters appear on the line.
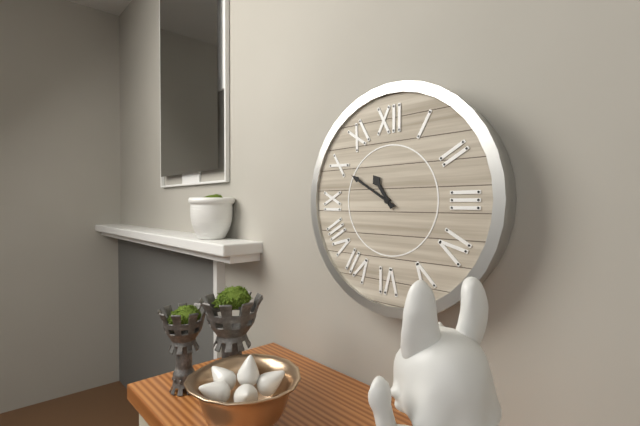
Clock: 10 h 50 min
